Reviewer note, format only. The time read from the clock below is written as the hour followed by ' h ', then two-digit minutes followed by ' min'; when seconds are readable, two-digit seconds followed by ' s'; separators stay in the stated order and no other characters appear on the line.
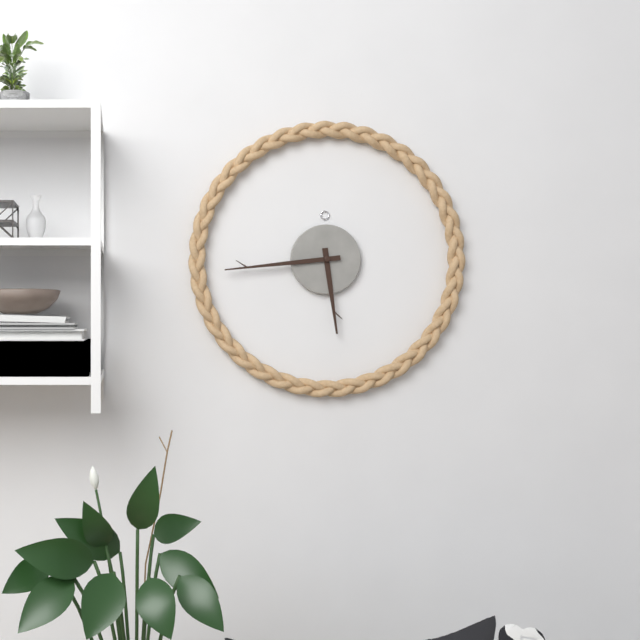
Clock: 5 h 44 min
